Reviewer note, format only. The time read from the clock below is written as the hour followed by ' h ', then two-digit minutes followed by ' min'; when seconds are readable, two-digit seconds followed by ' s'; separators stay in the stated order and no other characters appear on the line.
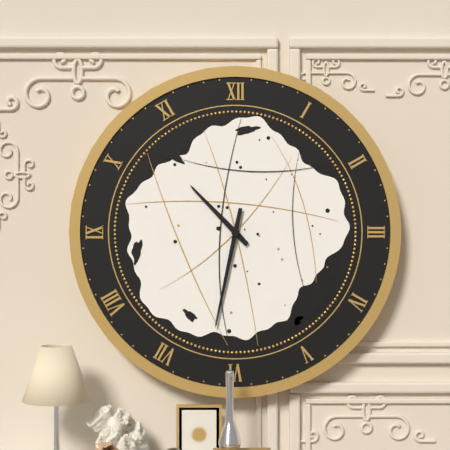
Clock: 10 h 32 min
